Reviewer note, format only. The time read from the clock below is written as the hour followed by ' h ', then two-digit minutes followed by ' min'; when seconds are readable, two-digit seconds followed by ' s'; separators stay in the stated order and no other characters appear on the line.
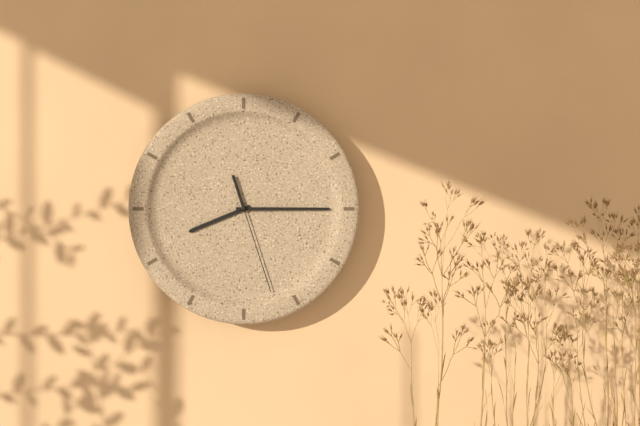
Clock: 8 h 15 min 27 s
